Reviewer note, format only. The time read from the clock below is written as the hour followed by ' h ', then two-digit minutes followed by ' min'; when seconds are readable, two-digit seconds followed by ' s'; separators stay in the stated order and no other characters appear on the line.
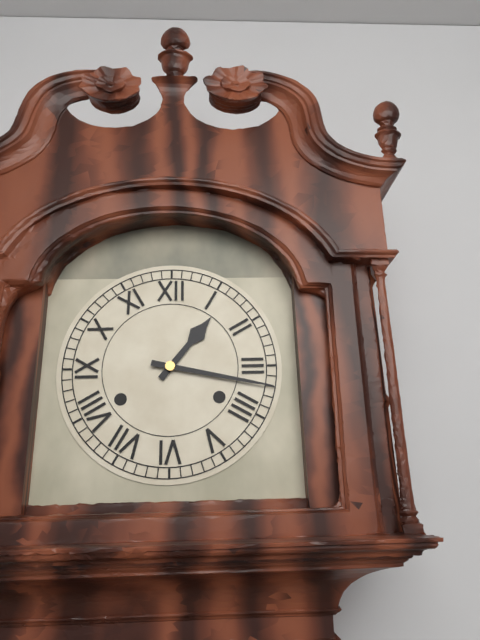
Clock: 1 h 17 min
